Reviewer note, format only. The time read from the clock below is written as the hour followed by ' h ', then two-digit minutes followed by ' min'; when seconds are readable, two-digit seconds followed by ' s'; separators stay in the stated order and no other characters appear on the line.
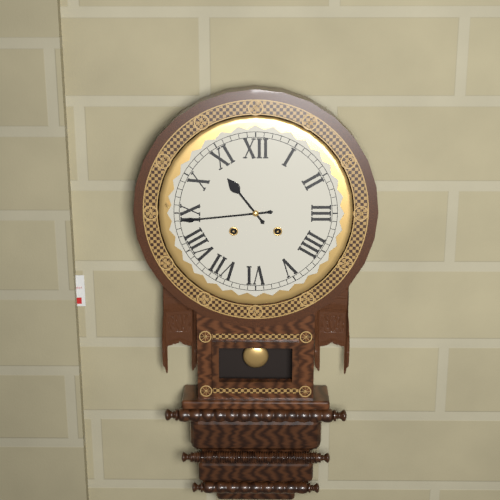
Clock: 10 h 44 min
